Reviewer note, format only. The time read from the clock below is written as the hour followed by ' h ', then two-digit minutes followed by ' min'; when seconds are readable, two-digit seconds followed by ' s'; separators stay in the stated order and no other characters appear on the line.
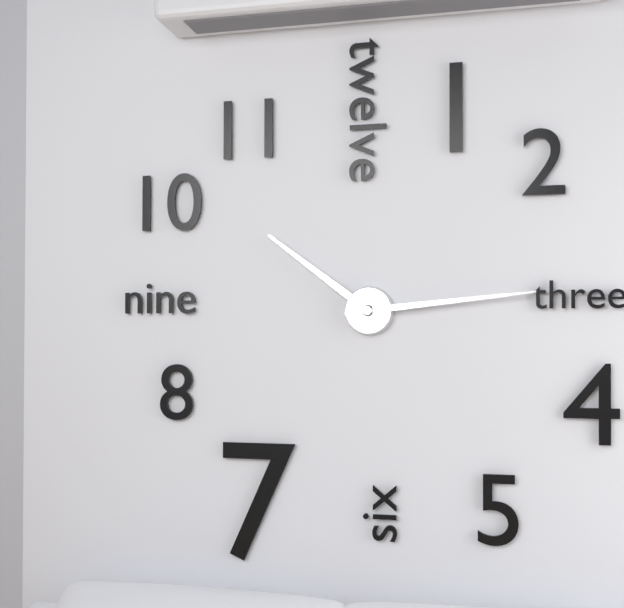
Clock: 10 h 14 min
